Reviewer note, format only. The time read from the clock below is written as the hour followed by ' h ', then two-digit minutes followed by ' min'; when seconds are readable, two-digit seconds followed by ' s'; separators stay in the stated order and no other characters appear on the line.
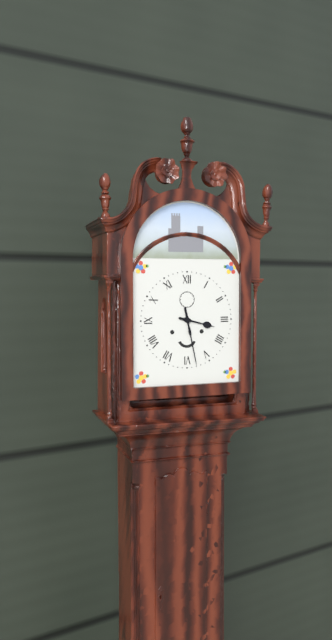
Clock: 3 h 28 min
